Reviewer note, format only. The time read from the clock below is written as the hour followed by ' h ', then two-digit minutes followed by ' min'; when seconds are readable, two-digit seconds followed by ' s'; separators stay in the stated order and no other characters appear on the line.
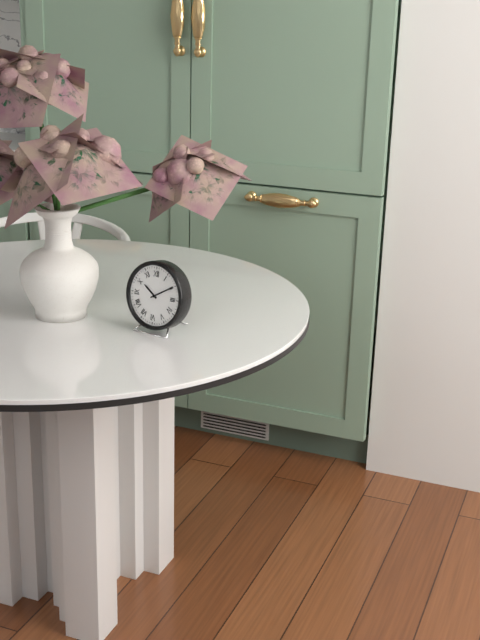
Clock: 10 h 10 min
